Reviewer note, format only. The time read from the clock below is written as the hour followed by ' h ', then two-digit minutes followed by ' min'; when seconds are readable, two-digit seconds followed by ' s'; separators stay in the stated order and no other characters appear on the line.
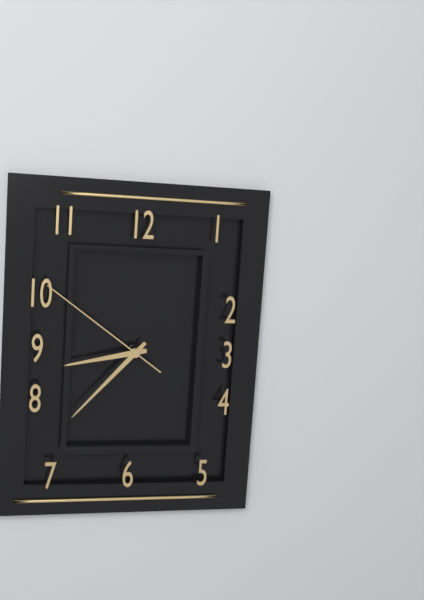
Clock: 8 h 37 min 51 s
